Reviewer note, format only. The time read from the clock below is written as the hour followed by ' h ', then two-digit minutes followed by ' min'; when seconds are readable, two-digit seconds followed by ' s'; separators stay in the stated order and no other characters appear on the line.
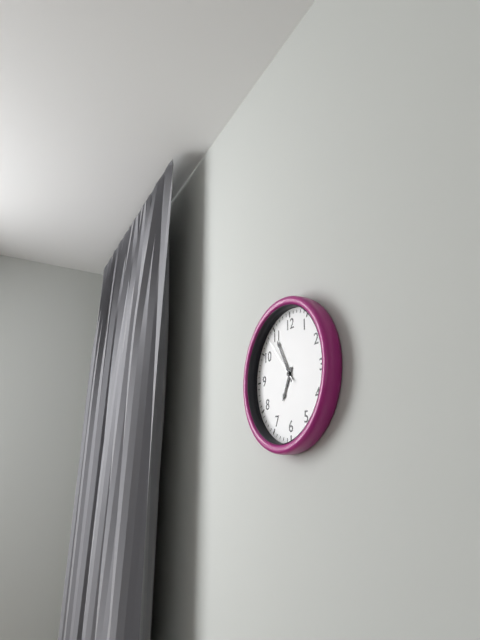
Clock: 6 h 55 min 53 s
